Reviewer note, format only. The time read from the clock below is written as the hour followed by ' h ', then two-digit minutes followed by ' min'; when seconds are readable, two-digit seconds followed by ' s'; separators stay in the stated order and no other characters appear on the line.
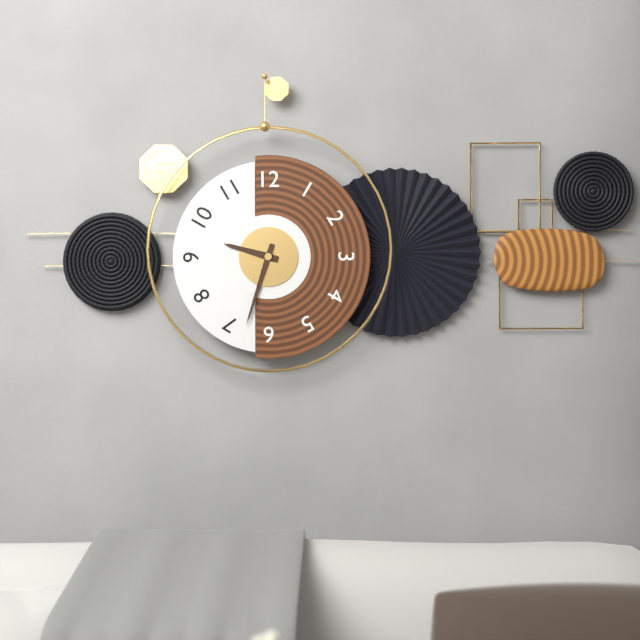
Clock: 9 h 33 min
